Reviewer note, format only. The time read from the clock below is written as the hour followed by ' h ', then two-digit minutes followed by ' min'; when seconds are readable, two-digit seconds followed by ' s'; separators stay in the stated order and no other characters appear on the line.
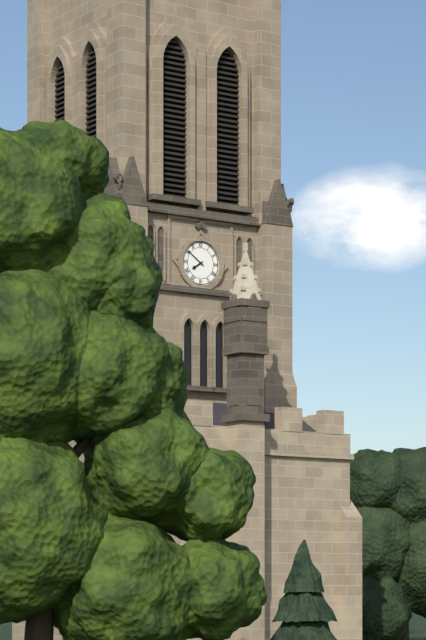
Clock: 7 h 51 min
